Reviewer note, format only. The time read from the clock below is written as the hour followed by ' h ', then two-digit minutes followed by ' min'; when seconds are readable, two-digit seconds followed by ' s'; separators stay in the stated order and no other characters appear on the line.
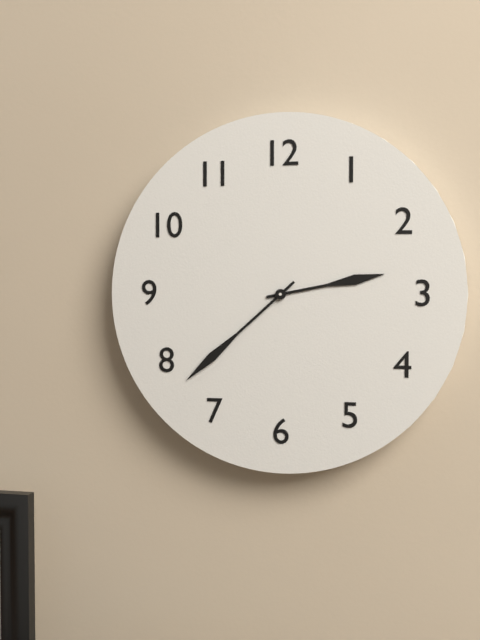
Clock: 2 h 38 min
